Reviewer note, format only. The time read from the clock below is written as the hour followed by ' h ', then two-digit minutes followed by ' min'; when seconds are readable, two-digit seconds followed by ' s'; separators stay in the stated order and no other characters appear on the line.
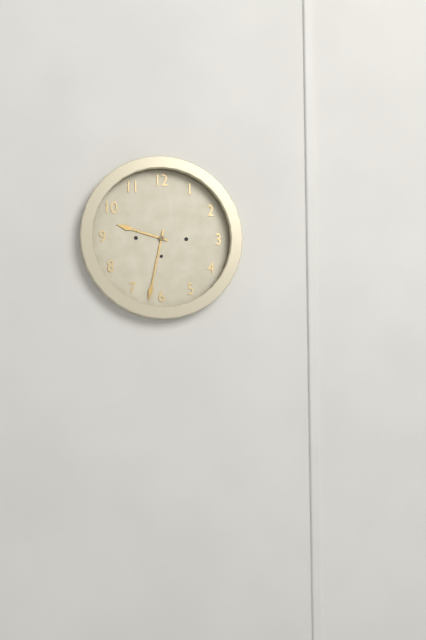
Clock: 9 h 32 min
